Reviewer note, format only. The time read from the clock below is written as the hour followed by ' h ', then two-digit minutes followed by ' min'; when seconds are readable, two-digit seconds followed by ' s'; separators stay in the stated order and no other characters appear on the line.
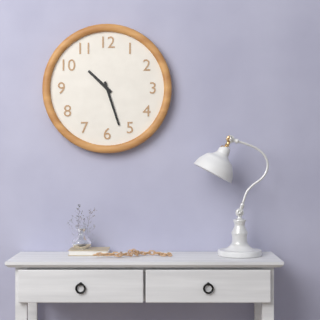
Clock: 10 h 27 min
